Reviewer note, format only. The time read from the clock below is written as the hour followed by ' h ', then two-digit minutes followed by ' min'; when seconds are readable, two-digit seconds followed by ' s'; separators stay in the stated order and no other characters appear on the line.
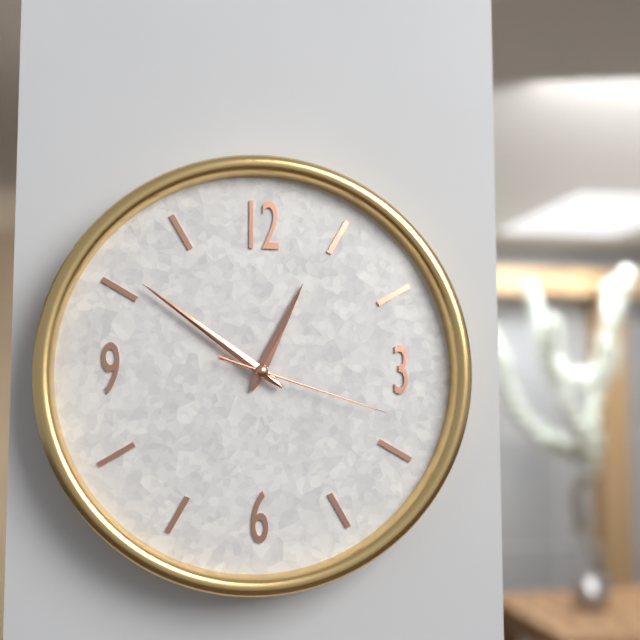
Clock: 12 h 51 min 18 s
